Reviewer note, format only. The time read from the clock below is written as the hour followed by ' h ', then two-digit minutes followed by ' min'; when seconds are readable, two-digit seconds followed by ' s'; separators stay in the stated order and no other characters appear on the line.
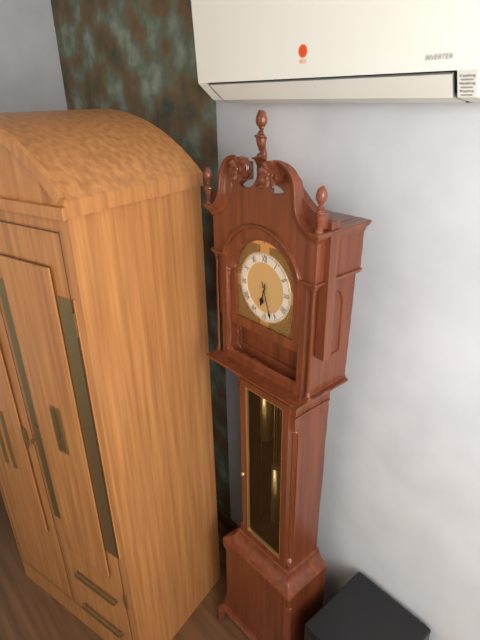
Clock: 6 h 27 min
